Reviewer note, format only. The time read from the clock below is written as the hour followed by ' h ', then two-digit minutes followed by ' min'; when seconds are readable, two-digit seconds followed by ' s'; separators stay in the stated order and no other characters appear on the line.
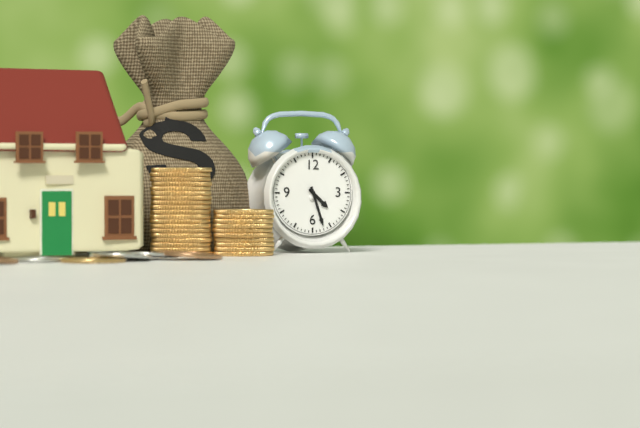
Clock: 4 h 27 min
